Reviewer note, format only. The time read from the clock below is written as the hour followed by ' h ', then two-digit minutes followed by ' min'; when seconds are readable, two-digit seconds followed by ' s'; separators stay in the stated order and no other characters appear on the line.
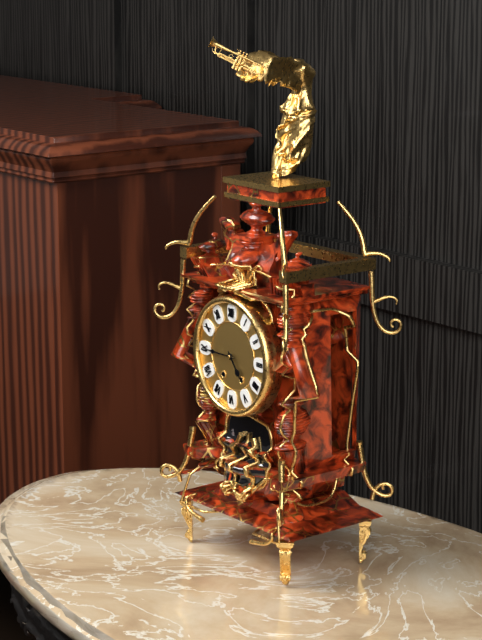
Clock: 4 h 45 min
